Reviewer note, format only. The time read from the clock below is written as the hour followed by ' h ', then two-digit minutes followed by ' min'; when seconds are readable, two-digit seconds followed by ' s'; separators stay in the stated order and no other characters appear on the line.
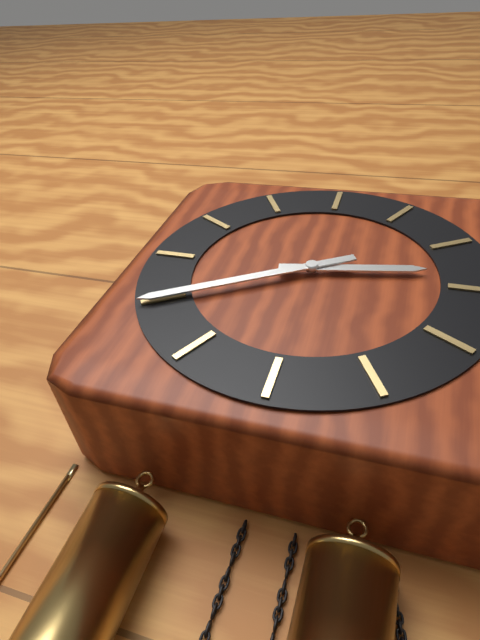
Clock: 2 h 40 min
